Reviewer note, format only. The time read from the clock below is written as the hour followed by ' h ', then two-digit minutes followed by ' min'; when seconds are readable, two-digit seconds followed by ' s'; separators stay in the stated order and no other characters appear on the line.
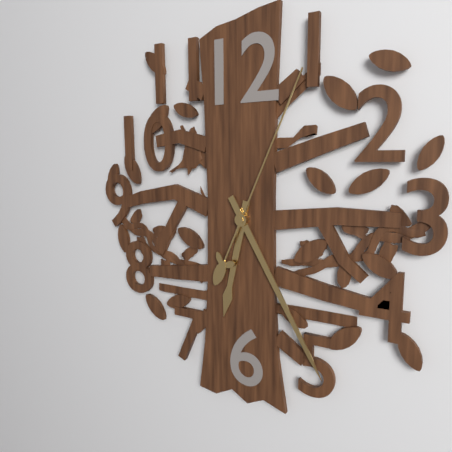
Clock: 6 h 25 min 04 s
